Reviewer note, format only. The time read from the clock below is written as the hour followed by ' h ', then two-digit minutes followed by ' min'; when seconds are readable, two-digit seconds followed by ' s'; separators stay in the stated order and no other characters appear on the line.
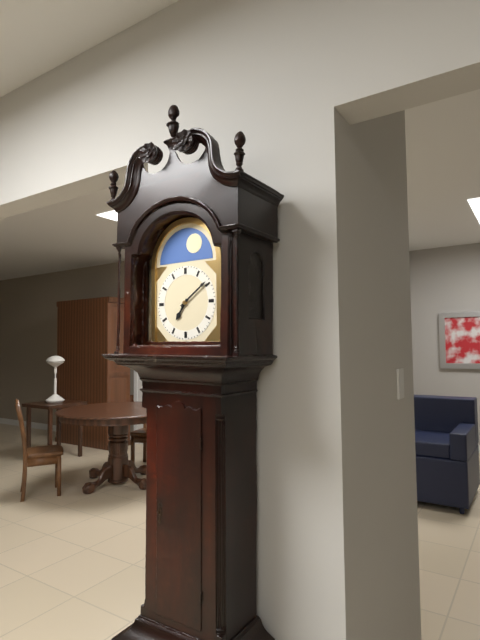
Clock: 7 h 09 min
